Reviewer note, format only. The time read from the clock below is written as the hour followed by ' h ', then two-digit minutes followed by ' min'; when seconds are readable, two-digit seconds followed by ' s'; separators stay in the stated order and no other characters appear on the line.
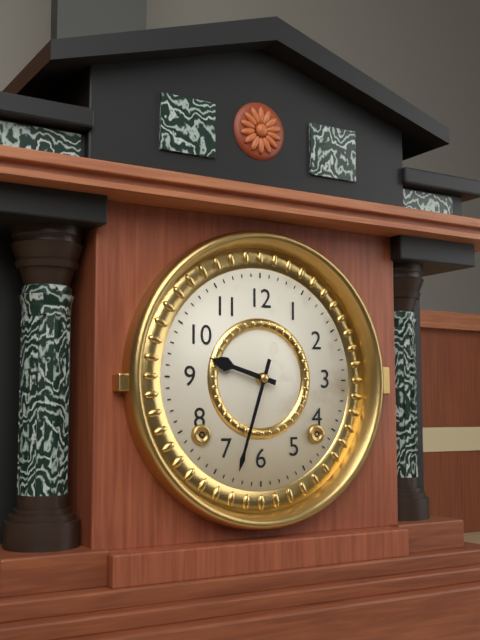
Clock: 9 h 33 min
